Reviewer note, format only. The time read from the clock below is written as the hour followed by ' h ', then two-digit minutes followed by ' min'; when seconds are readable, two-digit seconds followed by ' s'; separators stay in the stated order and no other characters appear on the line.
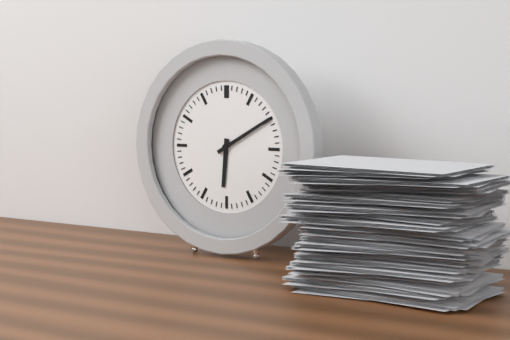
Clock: 6 h 10 min
